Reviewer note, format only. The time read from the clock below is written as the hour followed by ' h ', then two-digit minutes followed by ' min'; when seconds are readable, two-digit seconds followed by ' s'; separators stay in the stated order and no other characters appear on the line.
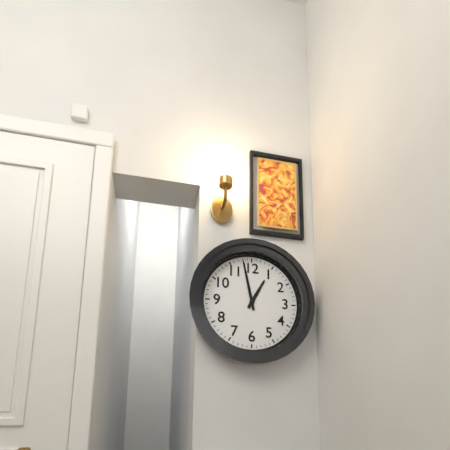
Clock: 12 h 58 min
